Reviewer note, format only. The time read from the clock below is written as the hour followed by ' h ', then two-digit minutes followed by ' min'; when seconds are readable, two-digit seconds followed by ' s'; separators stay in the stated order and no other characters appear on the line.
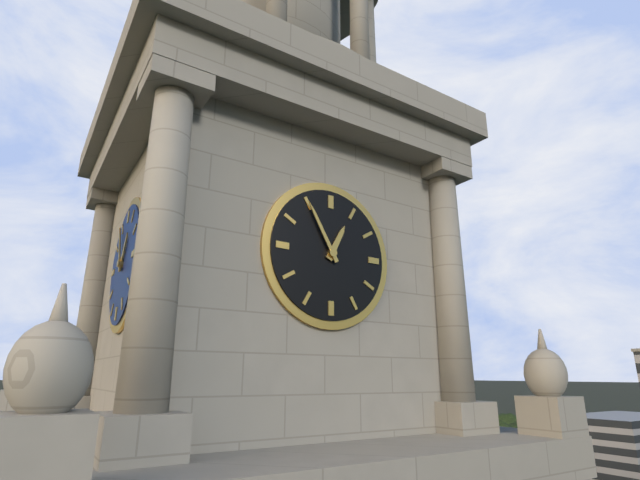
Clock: 12 h 55 min
